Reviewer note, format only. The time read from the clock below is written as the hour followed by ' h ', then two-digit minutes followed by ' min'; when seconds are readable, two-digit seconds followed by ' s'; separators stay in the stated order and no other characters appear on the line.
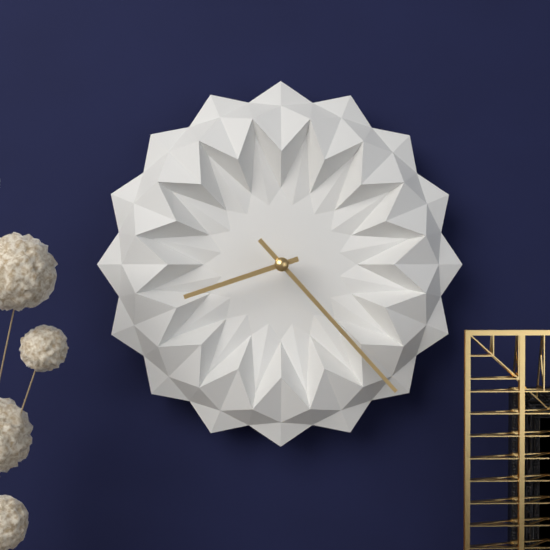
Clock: 8 h 23 min
